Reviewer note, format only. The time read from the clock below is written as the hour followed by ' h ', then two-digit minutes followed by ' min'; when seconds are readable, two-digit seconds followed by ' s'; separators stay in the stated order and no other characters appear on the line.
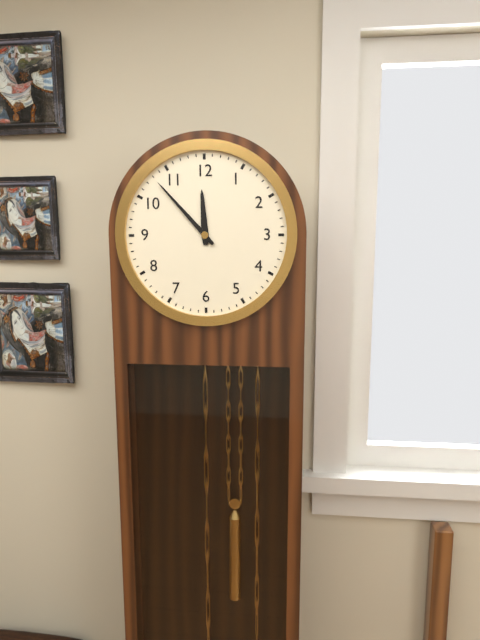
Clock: 11 h 53 min
